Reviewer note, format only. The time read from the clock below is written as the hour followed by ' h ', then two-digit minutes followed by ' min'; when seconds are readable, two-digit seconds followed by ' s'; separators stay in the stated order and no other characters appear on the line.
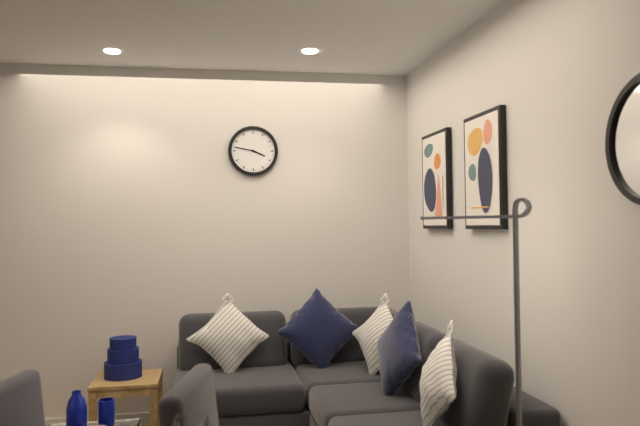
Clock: 3 h 47 min
